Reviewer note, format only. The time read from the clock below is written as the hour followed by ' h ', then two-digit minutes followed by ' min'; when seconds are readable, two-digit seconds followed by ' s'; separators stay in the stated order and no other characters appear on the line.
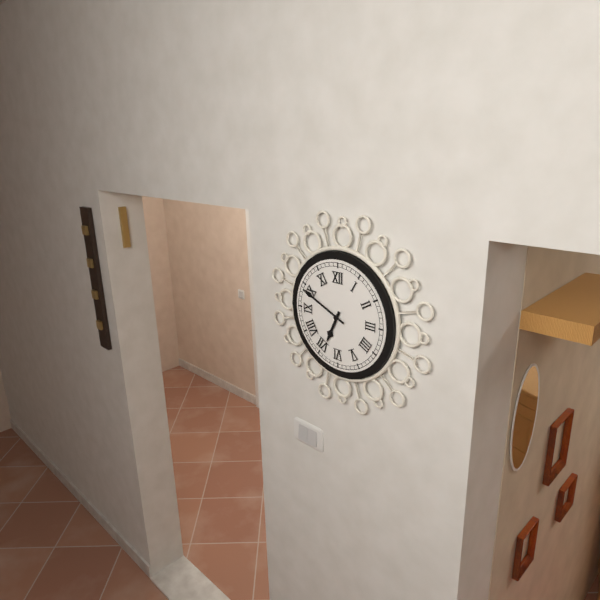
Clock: 6 h 49 min
